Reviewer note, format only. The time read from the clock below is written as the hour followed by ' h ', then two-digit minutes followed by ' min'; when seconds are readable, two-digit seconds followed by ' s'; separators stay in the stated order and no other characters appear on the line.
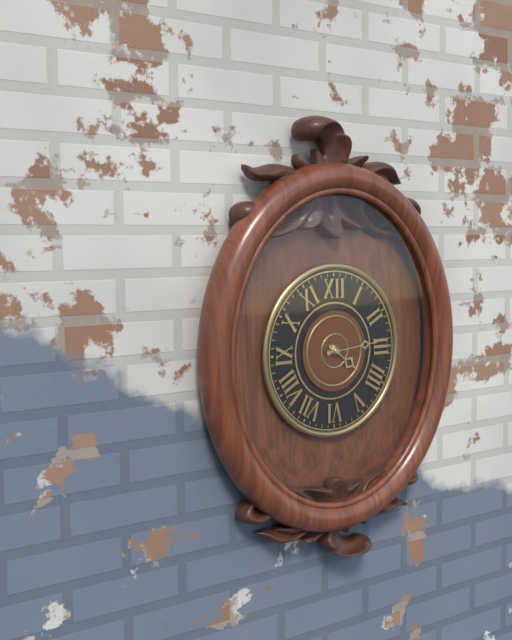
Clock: 4 h 14 min
